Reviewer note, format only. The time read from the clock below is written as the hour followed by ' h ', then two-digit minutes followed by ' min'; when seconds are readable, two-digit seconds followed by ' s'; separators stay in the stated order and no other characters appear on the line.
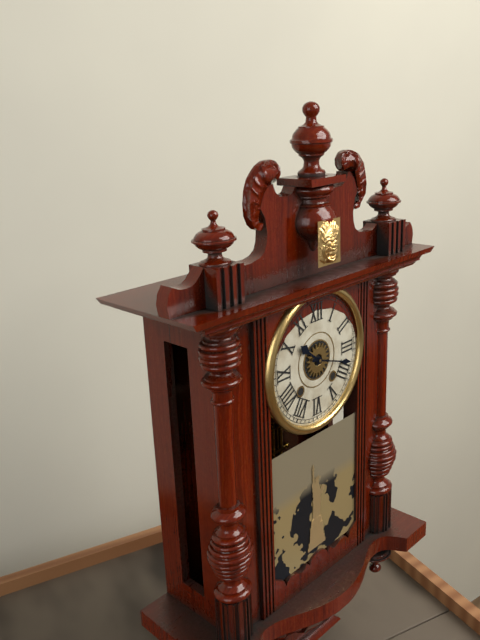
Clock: 10 h 18 min
